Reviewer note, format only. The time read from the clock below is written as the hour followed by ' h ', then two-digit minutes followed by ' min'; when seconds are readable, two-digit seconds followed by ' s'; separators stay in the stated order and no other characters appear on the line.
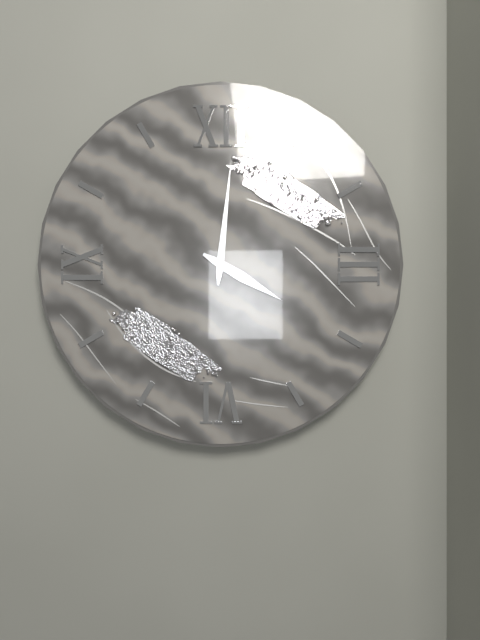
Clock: 4 h 01 min
